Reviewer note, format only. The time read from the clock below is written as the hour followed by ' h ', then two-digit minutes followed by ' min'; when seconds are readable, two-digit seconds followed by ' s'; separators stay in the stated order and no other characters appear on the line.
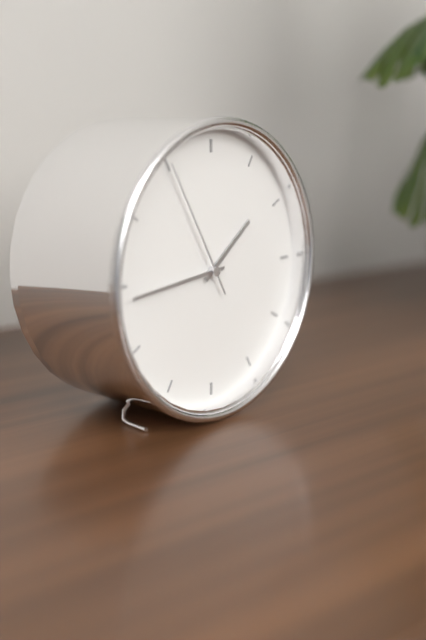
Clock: 1 h 44 min 55 s
